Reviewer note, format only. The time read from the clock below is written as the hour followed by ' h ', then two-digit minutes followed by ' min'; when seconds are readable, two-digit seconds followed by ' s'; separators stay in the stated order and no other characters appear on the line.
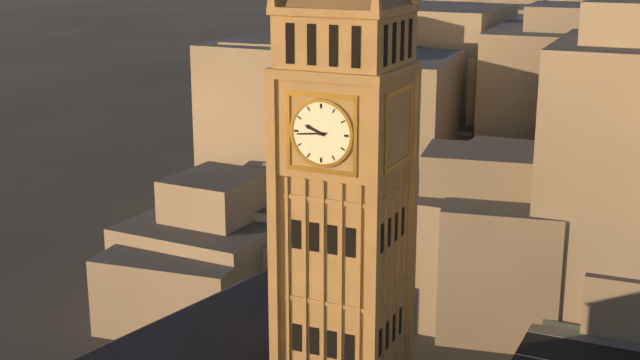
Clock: 9 h 44 min
